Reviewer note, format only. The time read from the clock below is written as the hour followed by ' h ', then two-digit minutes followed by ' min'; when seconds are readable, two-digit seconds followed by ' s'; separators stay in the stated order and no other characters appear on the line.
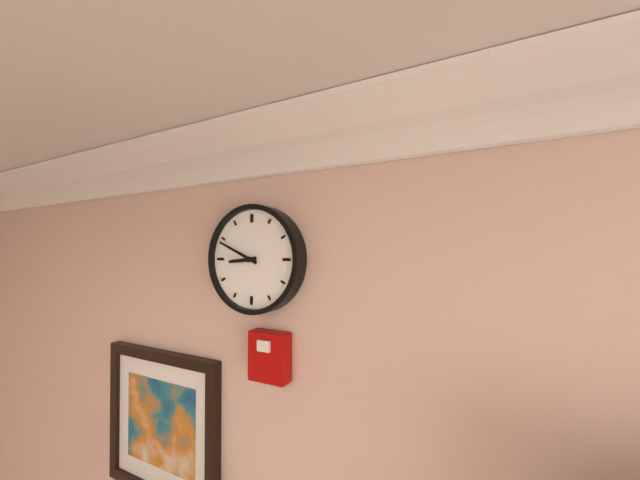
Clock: 8 h 49 min
